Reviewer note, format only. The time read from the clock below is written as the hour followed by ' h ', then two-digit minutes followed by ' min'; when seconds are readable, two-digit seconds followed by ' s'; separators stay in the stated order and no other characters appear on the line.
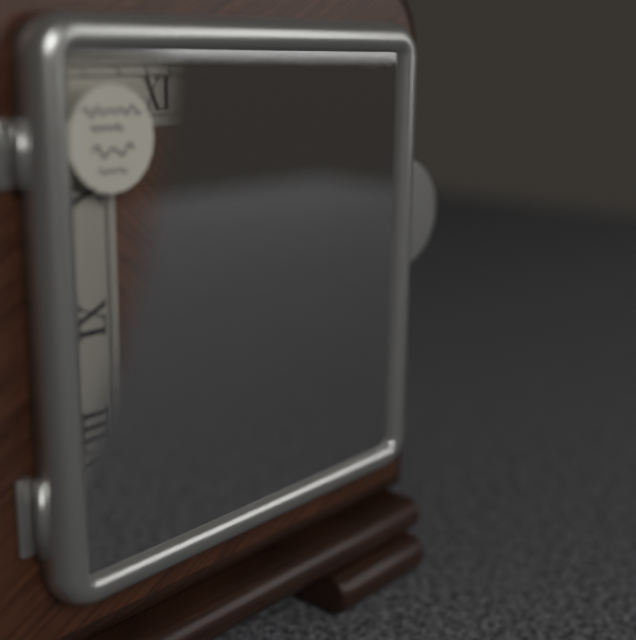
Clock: 1 h 09 min
